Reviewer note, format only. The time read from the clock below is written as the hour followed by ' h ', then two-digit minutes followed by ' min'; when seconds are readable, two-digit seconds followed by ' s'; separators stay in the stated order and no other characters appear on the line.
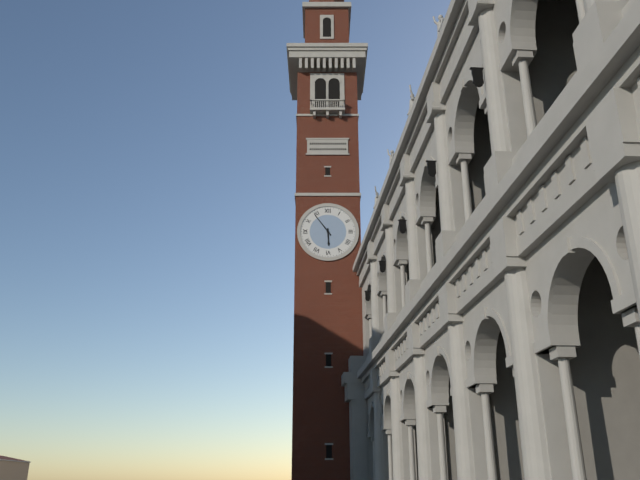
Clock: 5 h 54 min
